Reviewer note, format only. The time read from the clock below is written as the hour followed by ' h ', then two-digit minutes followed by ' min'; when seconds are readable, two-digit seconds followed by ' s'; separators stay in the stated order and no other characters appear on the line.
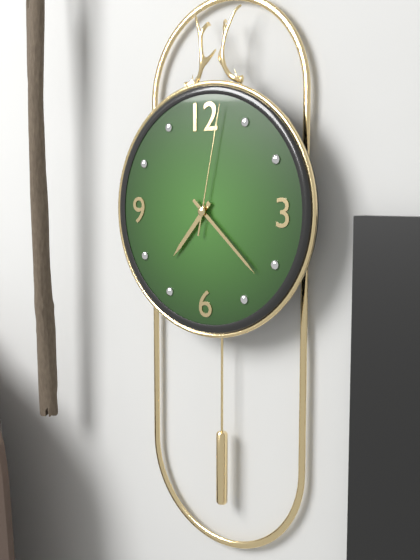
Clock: 7 h 22 min 02 s
